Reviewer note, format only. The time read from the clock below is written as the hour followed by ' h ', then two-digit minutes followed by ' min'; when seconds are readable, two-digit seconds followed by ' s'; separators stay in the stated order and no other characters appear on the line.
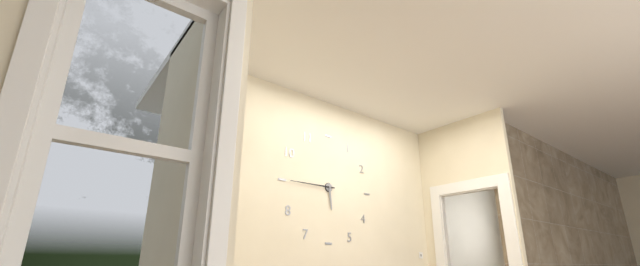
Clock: 5 h 45 min
